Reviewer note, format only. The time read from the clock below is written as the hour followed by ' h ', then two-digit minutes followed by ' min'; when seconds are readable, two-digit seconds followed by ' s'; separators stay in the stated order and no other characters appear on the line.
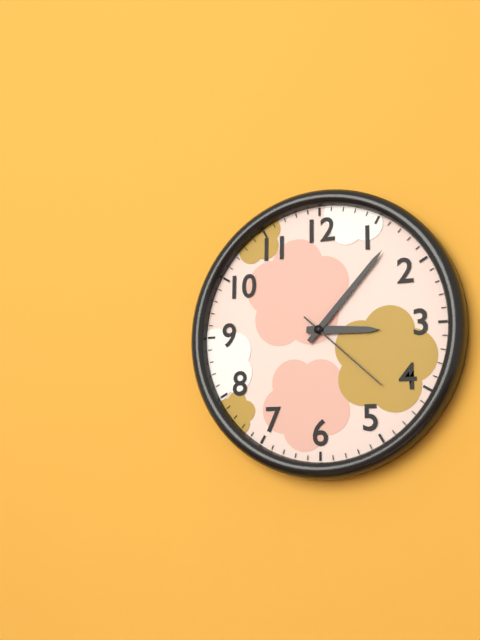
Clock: 3 h 07 min 22 s
